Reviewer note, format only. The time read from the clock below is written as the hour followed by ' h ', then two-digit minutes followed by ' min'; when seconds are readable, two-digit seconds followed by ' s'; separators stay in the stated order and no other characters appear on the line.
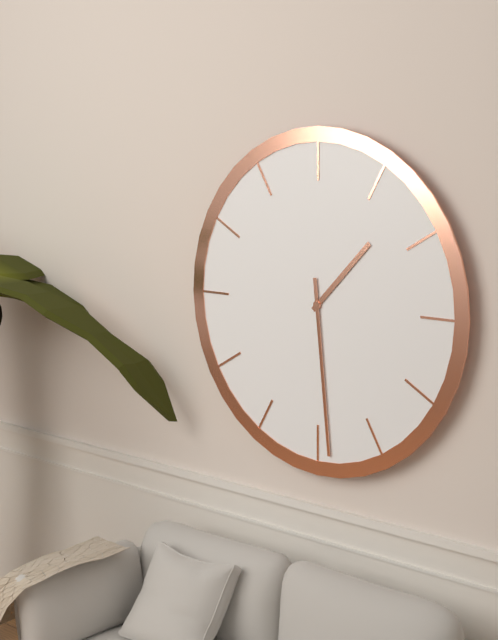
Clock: 1 h 29 min
